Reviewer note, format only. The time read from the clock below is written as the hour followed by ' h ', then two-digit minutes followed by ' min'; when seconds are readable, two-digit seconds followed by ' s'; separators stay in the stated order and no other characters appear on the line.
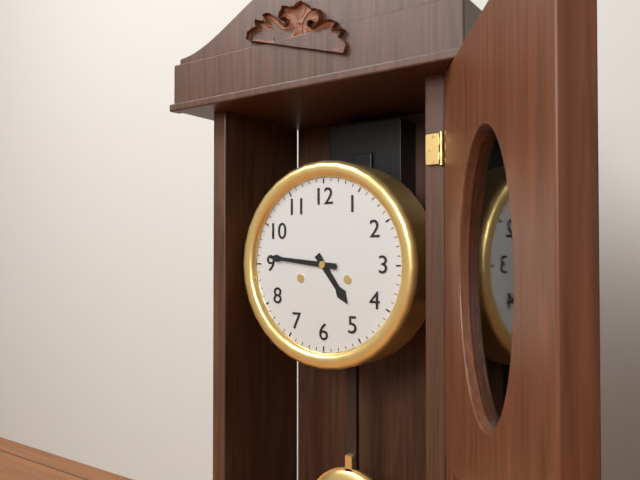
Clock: 4 h 46 min
